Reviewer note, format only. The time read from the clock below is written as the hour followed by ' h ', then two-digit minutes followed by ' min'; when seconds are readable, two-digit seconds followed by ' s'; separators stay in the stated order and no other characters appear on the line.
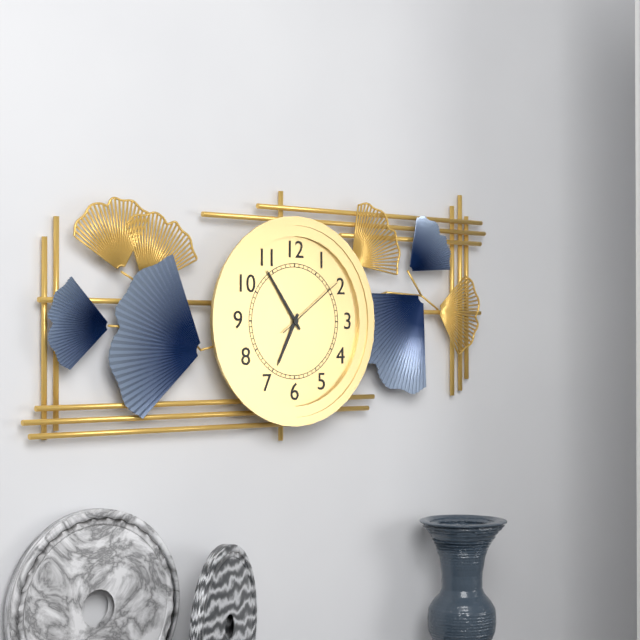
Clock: 6 h 54 min 09 s
